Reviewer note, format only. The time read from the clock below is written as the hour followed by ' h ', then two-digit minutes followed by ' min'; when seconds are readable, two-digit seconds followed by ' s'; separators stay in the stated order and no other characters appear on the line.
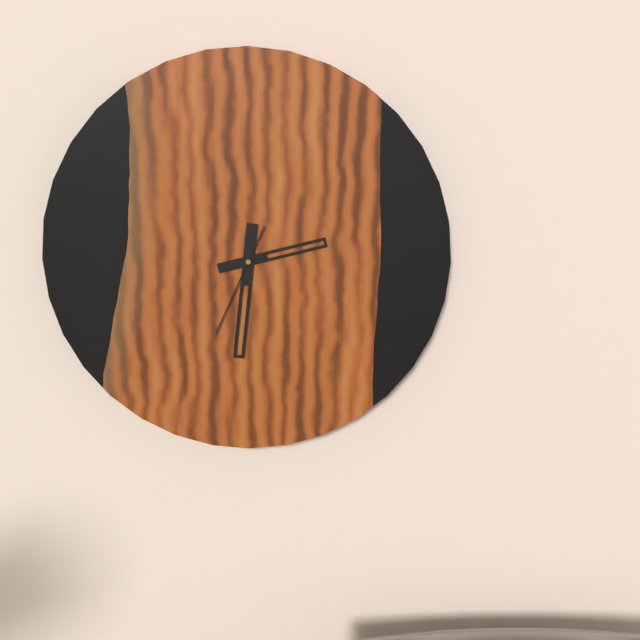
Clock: 2 h 31 min 34 s
